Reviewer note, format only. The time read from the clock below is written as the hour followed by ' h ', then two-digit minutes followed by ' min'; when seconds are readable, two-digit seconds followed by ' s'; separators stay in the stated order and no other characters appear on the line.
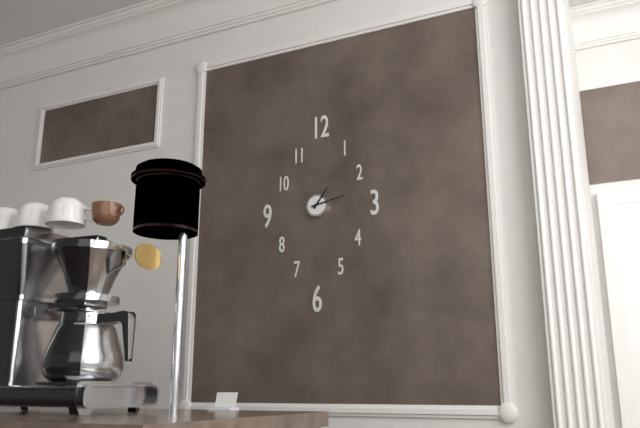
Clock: 1 h 13 min
